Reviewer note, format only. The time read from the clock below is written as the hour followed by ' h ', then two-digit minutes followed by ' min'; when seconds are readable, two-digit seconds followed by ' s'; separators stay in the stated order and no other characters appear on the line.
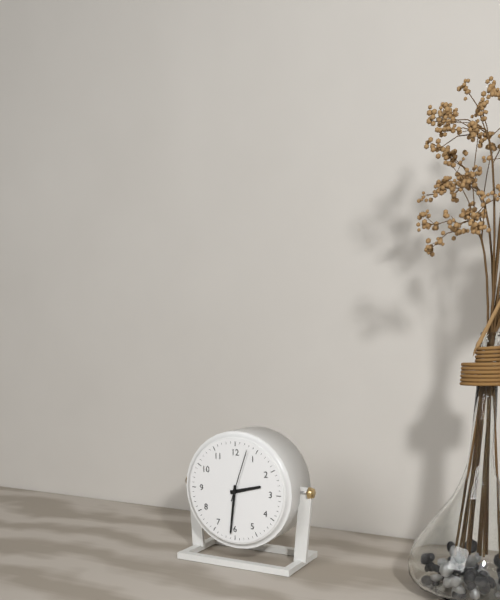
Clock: 2 h 31 min 03 s
